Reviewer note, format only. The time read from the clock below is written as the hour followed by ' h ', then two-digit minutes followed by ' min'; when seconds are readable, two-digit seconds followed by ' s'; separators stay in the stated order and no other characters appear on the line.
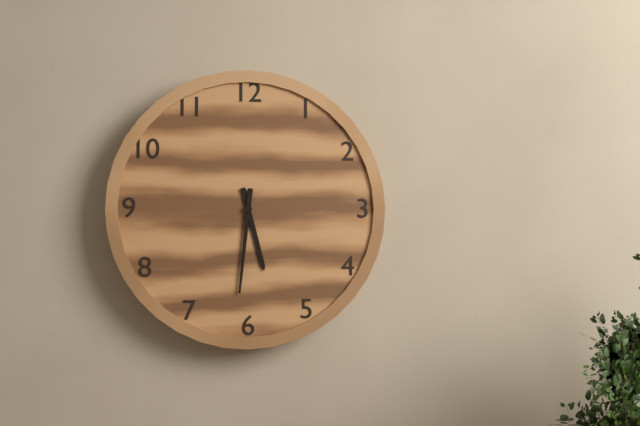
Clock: 5 h 31 min
